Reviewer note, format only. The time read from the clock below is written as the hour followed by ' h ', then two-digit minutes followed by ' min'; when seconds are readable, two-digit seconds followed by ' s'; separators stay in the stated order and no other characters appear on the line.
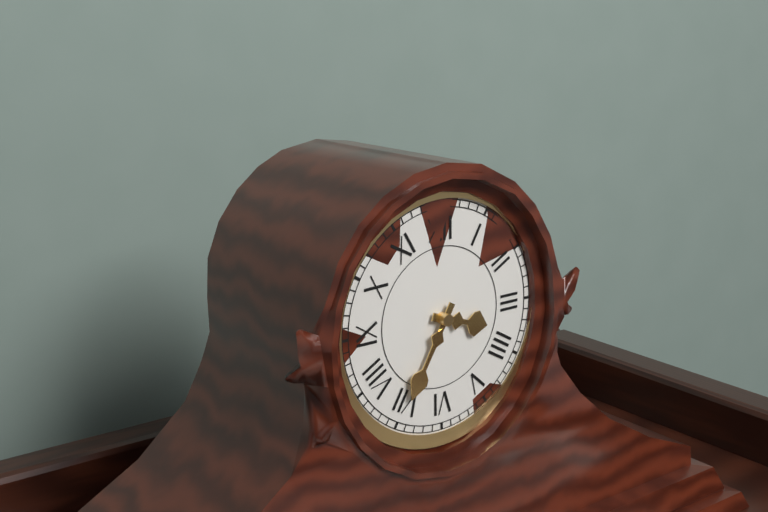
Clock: 3 h 35 min
